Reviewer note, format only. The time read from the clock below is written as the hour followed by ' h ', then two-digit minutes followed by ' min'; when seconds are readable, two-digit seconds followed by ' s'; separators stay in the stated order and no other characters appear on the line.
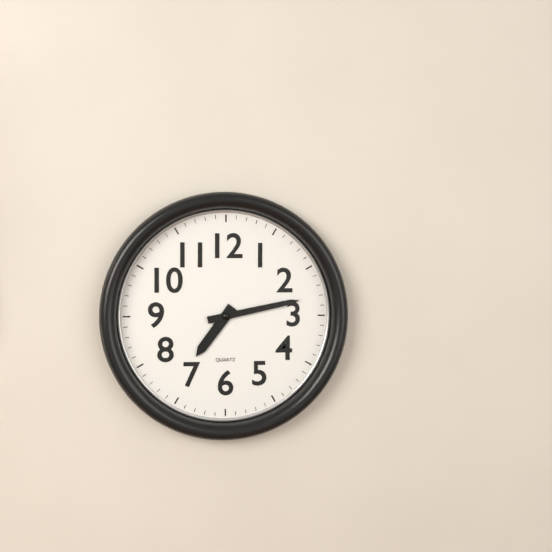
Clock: 7 h 13 min
